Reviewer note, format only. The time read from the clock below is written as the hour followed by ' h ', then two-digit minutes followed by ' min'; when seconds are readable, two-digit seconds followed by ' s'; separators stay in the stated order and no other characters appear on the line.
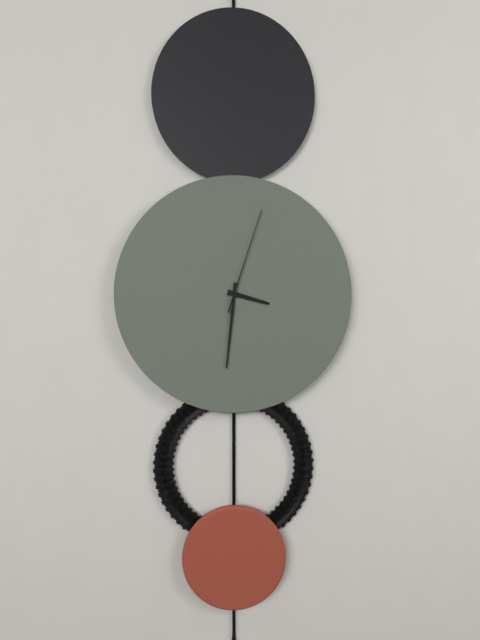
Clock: 3 h 31 min 03 s
